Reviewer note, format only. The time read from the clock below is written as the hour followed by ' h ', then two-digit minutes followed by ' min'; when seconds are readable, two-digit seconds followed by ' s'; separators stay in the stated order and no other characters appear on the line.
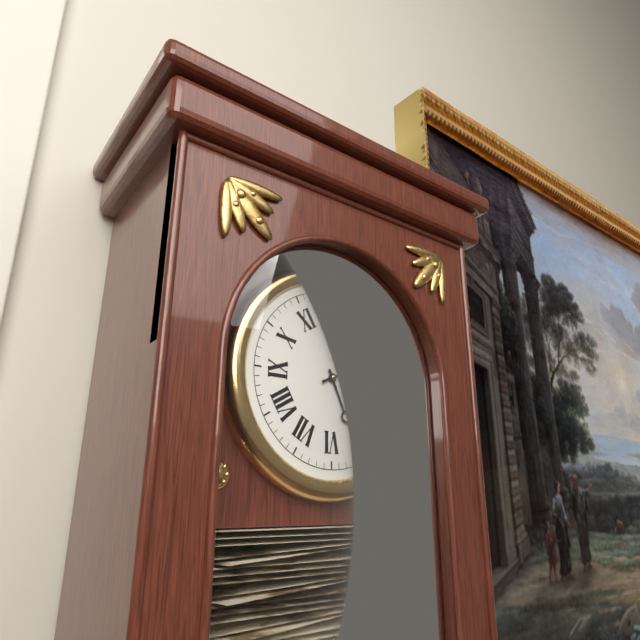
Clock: 5 h 11 min
